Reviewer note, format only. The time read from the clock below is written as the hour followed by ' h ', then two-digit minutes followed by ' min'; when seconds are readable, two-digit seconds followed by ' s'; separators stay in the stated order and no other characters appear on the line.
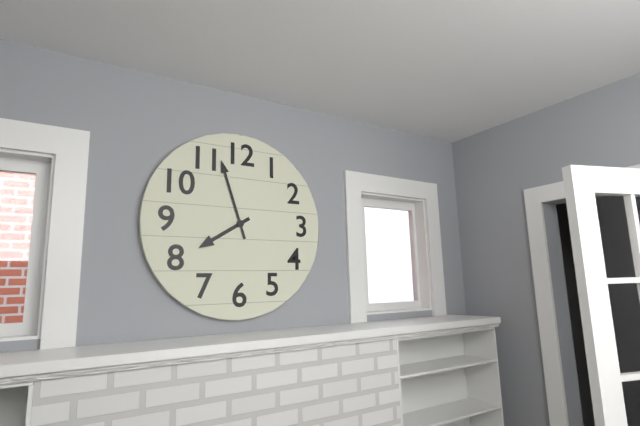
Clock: 7 h 57 min
